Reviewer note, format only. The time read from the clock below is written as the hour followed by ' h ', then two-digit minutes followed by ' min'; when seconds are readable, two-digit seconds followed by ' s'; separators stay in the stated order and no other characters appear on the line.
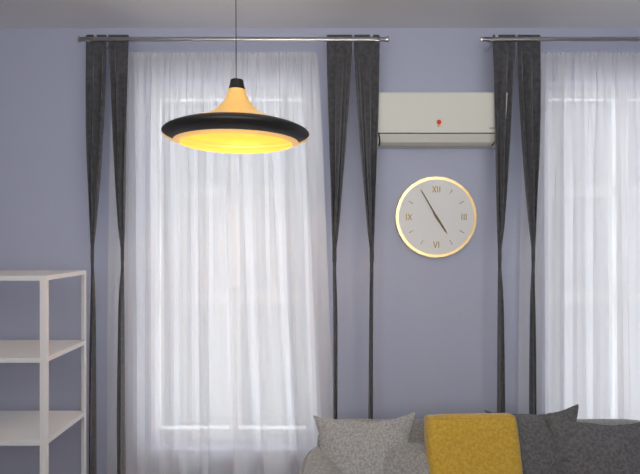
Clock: 4 h 55 min
